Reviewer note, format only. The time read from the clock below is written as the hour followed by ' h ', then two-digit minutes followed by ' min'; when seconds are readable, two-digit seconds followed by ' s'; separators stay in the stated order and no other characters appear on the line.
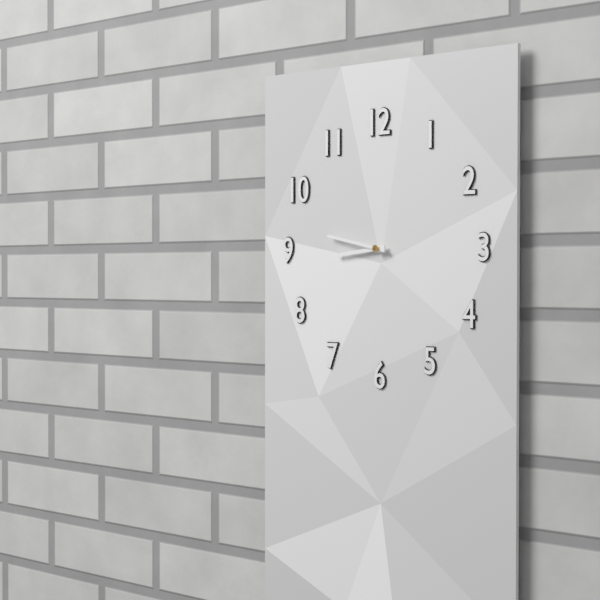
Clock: 8 h 47 min
